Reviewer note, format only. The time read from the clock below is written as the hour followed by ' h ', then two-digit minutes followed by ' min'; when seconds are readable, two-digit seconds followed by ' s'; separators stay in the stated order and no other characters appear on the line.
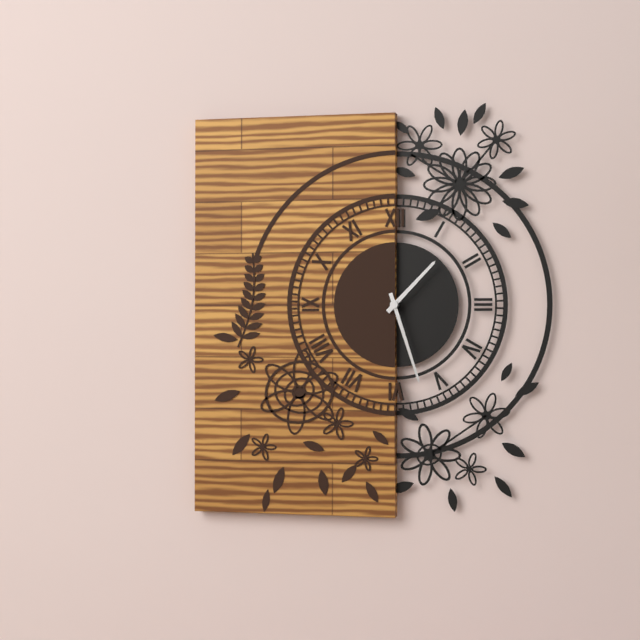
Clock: 1 h 27 min
